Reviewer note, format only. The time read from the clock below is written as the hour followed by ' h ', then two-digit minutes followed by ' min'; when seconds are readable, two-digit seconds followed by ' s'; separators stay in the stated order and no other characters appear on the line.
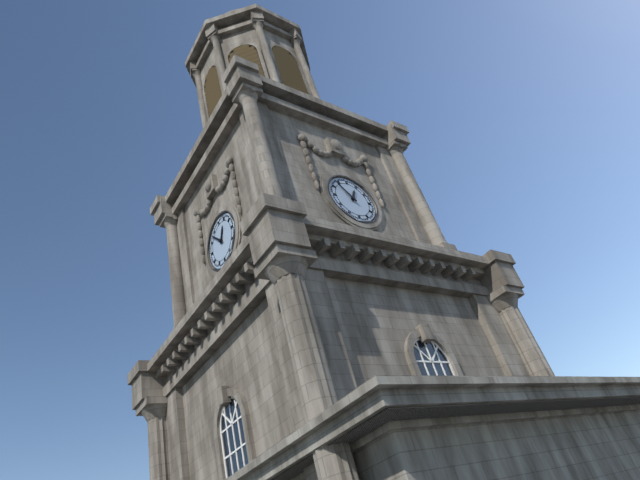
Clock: 12 h 53 min
